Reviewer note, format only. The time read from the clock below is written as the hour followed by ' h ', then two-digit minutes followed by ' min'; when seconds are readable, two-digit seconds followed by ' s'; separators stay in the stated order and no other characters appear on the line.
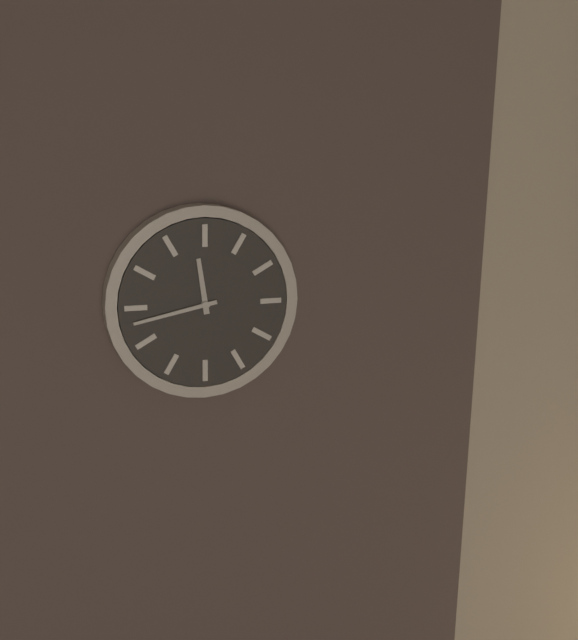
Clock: 11 h 43 min
